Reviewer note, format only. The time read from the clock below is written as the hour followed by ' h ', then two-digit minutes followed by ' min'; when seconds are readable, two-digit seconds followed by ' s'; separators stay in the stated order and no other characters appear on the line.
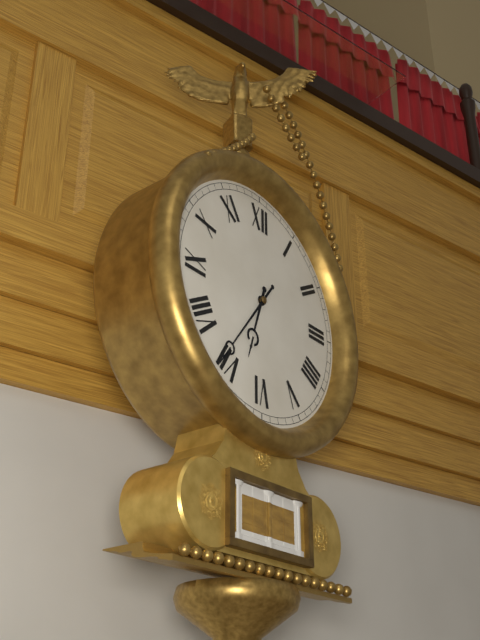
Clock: 6 h 36 min
